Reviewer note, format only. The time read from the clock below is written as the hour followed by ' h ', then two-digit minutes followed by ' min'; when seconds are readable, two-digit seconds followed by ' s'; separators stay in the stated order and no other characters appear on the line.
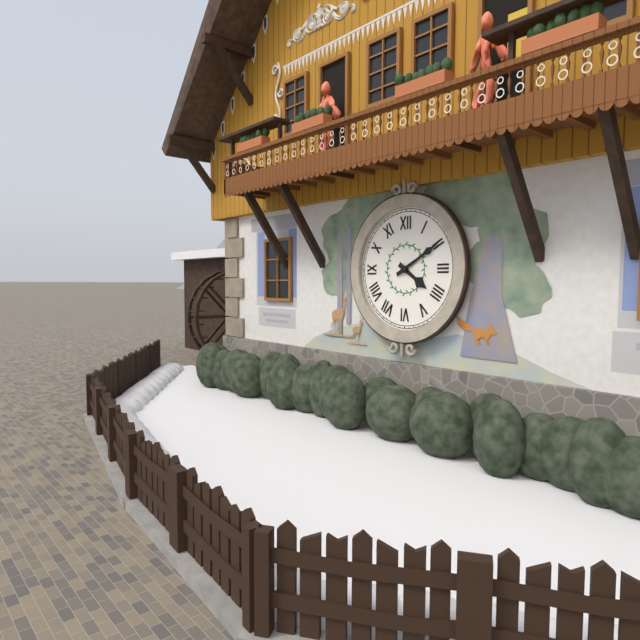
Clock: 4 h 10 min
